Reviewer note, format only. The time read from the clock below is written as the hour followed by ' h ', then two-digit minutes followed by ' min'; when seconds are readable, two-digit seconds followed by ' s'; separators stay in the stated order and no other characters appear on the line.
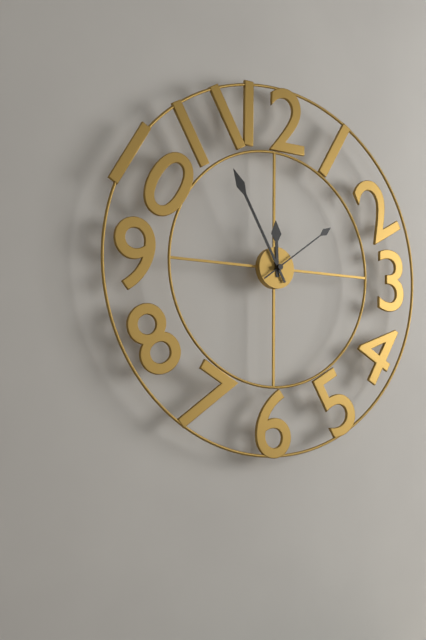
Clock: 11 h 55 min 09 s
